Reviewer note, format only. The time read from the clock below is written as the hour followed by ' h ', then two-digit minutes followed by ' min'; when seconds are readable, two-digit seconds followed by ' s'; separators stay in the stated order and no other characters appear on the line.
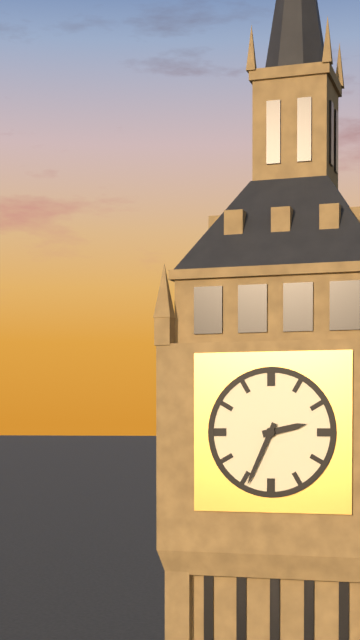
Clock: 2 h 34 min
